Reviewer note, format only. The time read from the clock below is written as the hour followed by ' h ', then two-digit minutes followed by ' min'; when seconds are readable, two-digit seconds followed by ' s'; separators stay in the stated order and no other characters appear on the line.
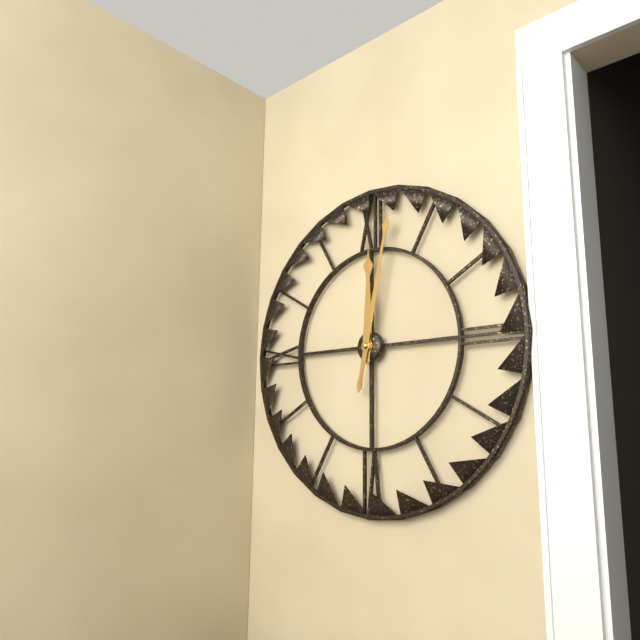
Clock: 12 h 02 min
